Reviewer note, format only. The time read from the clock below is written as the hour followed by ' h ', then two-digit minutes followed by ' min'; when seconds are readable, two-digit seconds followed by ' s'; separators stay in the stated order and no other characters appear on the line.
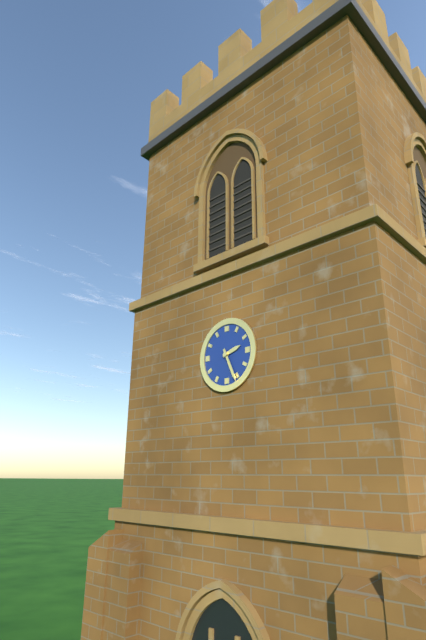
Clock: 2 h 26 min
